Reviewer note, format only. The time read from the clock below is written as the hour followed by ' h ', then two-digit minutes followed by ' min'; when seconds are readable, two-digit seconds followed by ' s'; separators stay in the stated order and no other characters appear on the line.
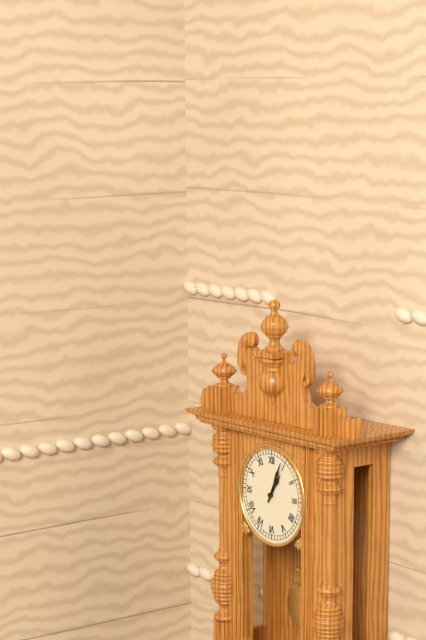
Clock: 1 h 04 min
